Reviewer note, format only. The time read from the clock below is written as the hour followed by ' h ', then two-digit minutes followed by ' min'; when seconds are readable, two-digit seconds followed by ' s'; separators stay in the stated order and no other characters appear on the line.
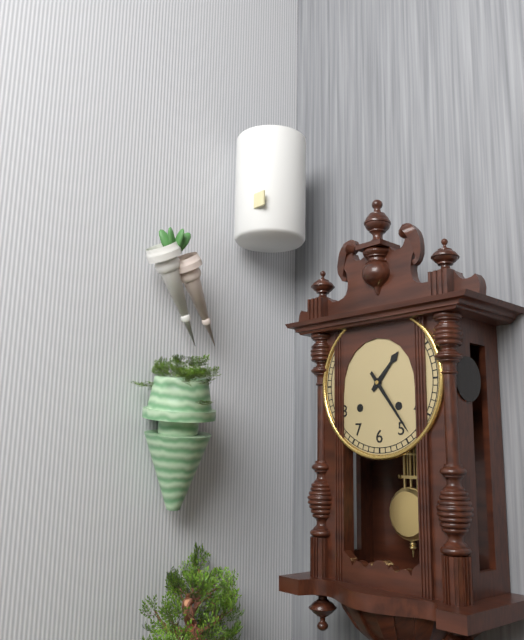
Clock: 1 h 24 min
